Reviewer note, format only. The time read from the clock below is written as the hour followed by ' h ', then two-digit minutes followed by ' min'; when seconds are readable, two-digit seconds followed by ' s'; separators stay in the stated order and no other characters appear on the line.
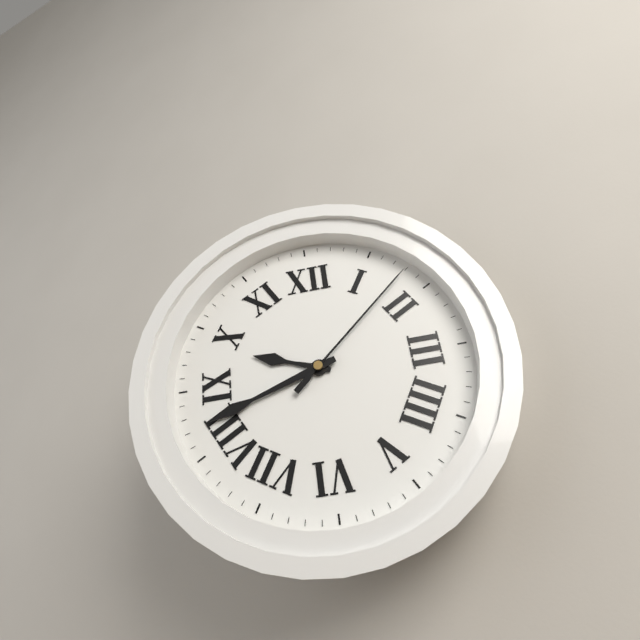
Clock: 9 h 42 min 08 s
